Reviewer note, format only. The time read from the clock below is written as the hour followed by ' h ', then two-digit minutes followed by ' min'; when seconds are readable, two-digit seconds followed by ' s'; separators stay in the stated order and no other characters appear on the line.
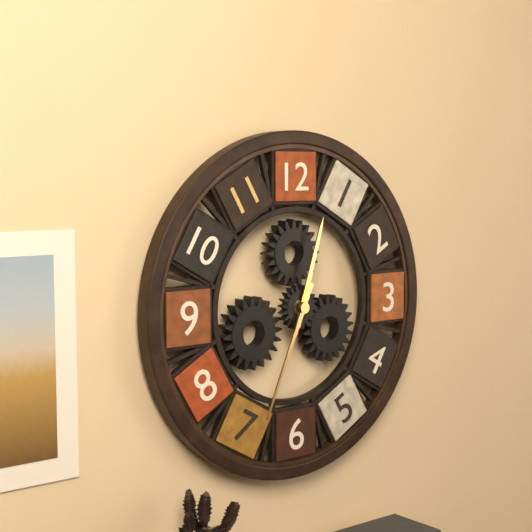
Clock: 12 h 34 min
